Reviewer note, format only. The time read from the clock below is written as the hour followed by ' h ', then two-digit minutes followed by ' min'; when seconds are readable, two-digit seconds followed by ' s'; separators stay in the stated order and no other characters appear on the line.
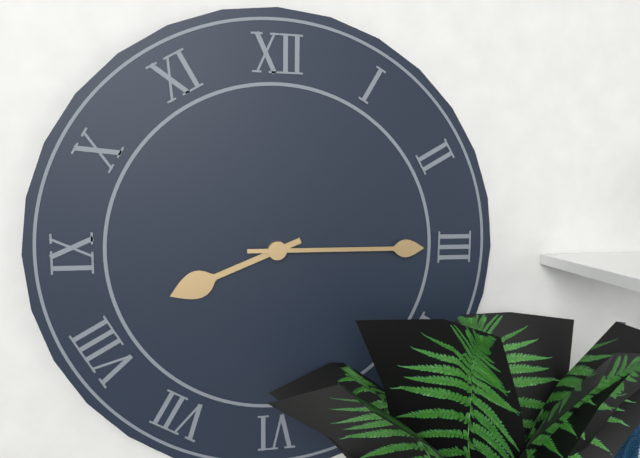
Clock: 8 h 15 min
